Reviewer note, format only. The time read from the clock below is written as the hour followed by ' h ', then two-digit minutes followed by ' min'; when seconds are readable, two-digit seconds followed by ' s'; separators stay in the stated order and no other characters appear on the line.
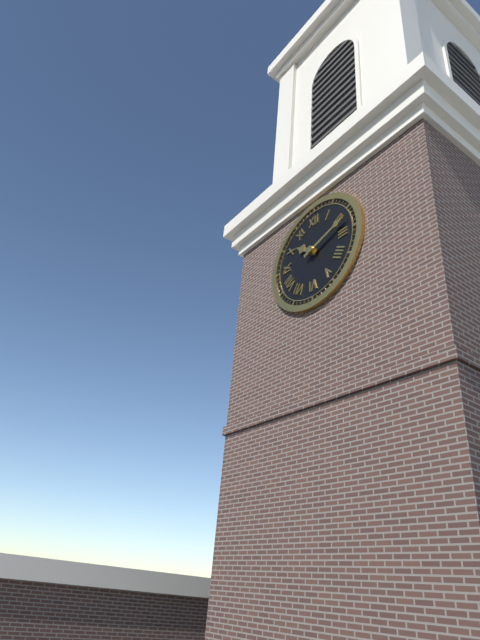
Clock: 10 h 12 min
